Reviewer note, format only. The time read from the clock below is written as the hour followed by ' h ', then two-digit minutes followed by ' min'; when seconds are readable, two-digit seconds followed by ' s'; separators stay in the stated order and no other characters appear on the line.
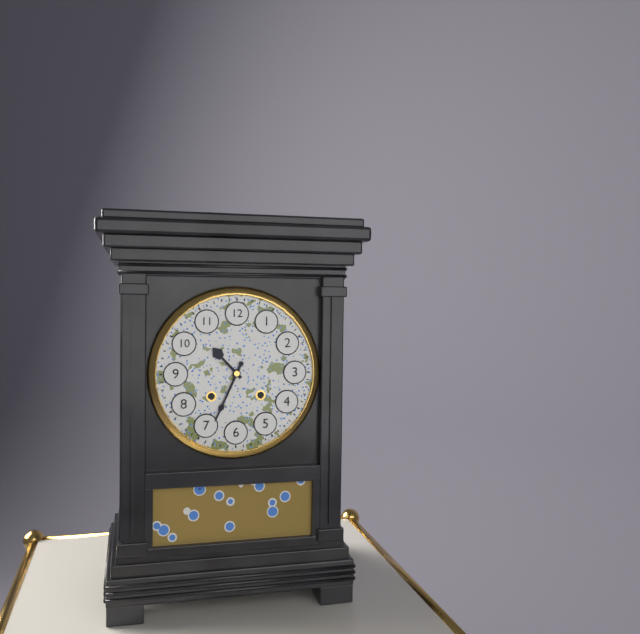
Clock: 10 h 34 min
